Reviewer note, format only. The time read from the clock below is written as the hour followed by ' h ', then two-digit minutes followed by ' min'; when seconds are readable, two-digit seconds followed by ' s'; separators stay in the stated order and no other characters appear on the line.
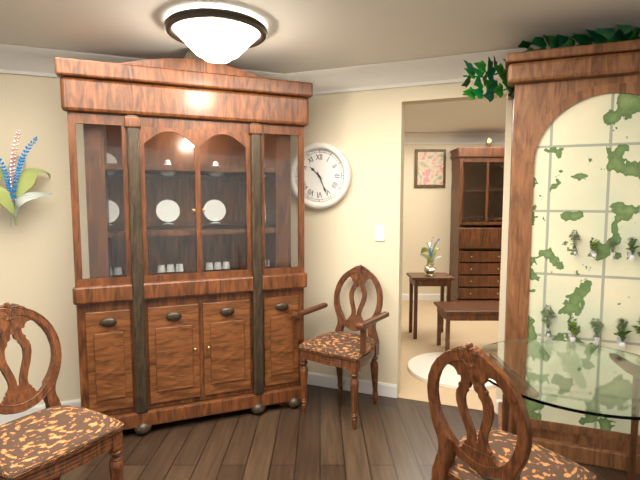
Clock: 10 h 26 min
